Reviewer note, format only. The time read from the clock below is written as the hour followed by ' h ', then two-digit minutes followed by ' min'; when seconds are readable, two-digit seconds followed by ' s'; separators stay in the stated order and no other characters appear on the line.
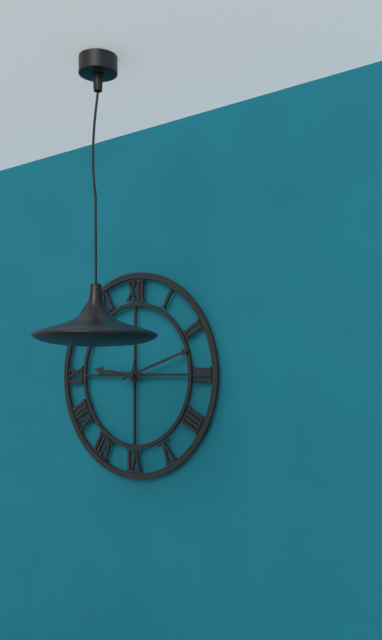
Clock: 9 h 12 min
